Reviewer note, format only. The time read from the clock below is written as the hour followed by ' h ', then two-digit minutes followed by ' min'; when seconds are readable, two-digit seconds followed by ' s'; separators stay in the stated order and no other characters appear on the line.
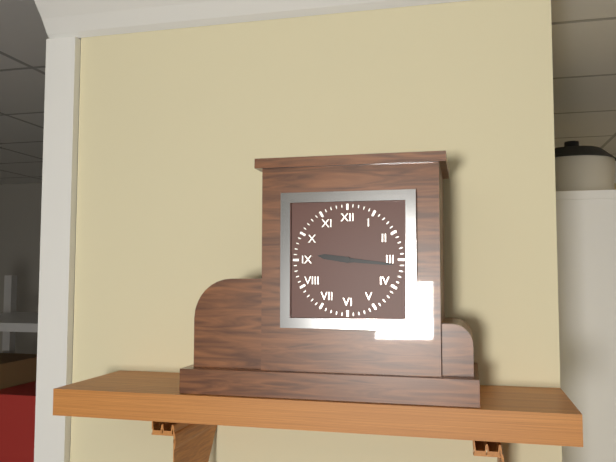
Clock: 9 h 16 min
